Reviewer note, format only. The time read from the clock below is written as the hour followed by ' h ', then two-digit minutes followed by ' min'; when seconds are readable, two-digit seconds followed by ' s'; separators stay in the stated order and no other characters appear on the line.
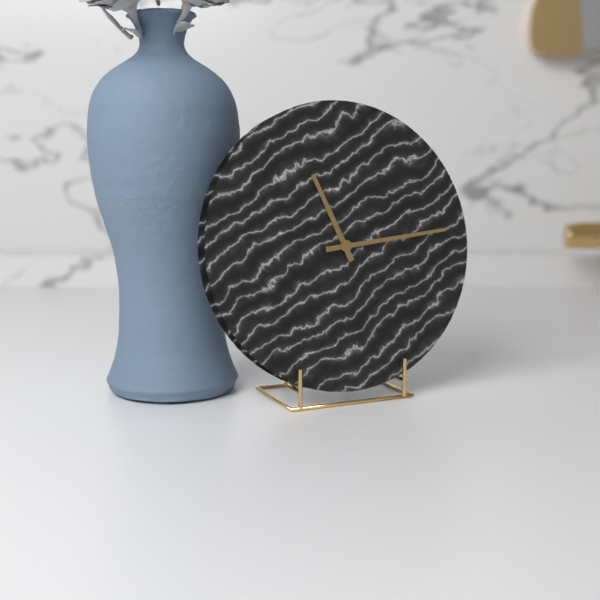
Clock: 11 h 14 min
